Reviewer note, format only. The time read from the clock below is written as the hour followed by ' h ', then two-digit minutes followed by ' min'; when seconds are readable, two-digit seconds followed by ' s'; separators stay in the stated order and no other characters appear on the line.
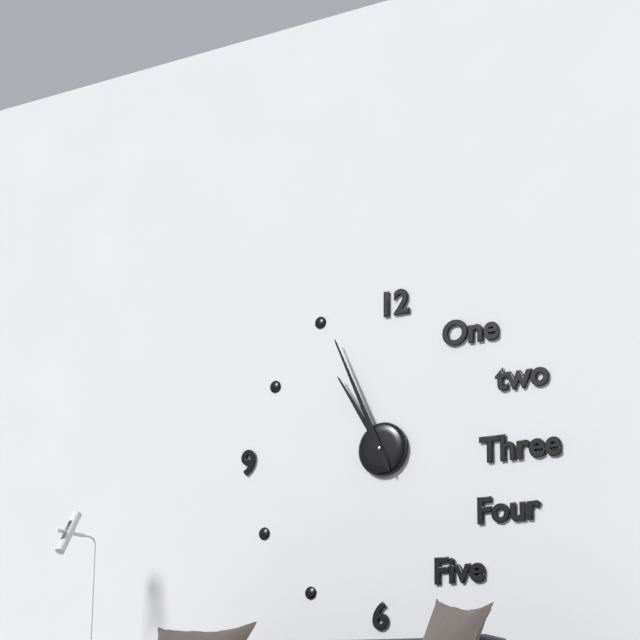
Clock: 10 h 56 min
